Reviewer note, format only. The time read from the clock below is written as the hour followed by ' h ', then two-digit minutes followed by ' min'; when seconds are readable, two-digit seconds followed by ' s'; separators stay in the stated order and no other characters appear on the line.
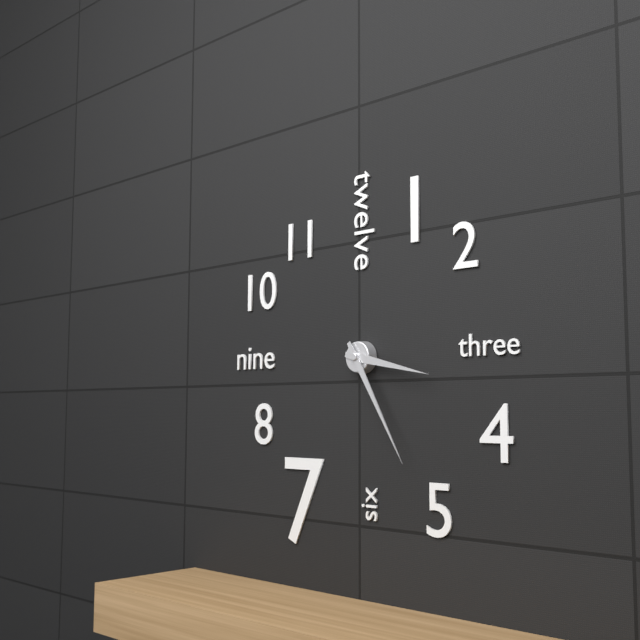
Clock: 3 h 25 min
